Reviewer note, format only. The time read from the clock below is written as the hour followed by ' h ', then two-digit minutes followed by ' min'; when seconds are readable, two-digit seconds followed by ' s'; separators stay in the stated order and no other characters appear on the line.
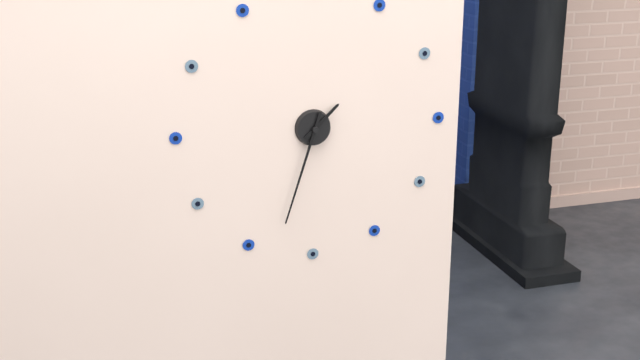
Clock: 1 h 33 min
